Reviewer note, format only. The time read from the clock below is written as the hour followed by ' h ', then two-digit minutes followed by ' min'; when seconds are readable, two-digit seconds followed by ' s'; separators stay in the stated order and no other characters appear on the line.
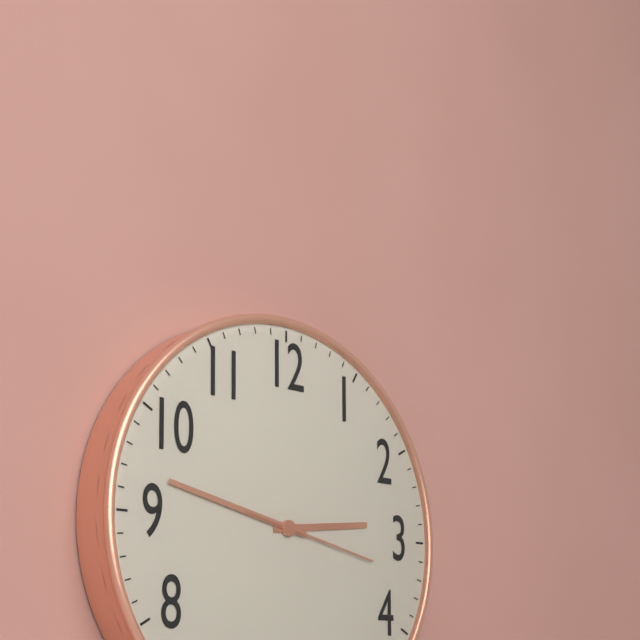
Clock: 2 h 47 min 17 s
